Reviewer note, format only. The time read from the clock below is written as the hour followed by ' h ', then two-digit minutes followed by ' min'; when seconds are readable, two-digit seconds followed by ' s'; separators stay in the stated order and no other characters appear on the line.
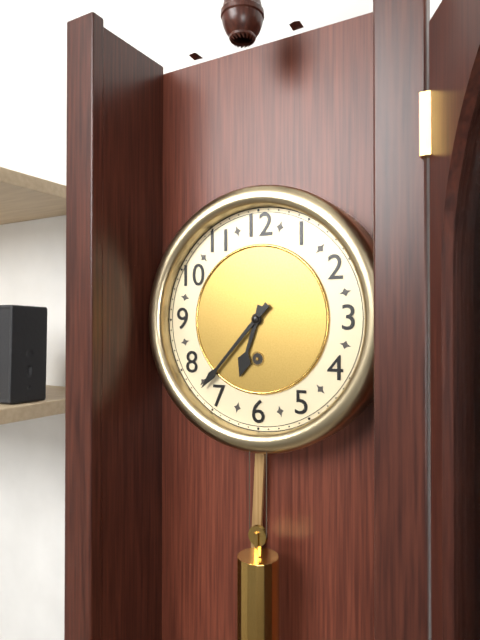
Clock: 6 h 37 min
